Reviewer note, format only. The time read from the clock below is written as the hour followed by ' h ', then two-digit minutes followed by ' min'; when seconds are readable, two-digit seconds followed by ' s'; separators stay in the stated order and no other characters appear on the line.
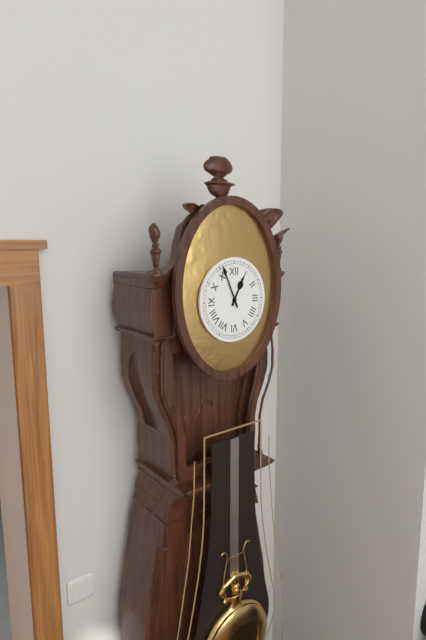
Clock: 12 h 56 min
